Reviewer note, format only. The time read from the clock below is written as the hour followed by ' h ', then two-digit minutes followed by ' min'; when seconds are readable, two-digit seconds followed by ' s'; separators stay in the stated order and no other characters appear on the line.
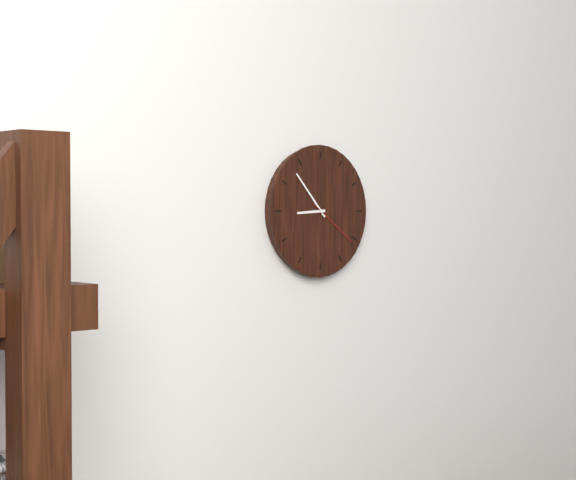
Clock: 8 h 53 min 21 s
